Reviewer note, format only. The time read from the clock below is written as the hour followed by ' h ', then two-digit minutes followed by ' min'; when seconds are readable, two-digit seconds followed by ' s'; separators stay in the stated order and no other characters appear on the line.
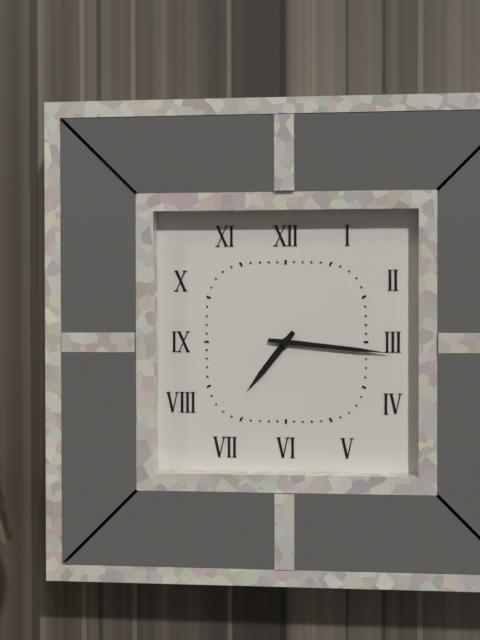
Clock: 7 h 16 min
